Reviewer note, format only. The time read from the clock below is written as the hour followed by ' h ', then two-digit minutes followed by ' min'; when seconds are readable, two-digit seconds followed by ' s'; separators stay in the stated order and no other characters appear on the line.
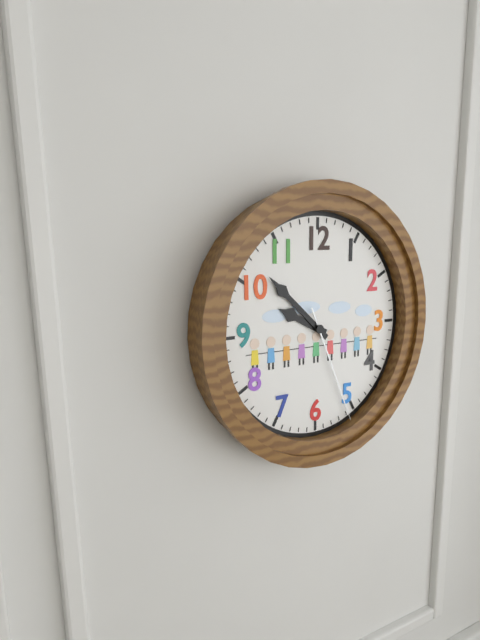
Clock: 9 h 52 min 26 s
